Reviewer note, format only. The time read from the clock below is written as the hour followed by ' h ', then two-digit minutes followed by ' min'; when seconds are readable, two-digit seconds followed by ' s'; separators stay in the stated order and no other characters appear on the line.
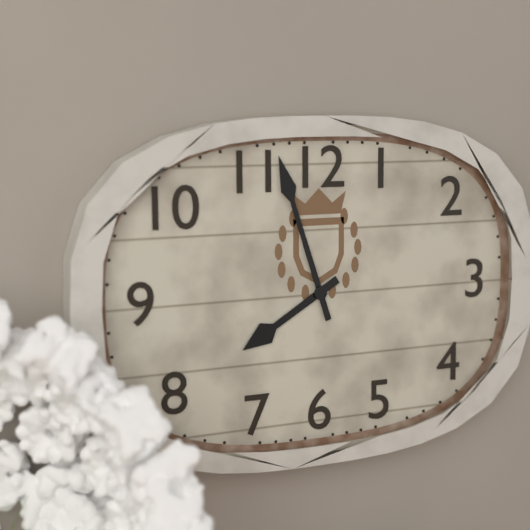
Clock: 7 h 57 min
